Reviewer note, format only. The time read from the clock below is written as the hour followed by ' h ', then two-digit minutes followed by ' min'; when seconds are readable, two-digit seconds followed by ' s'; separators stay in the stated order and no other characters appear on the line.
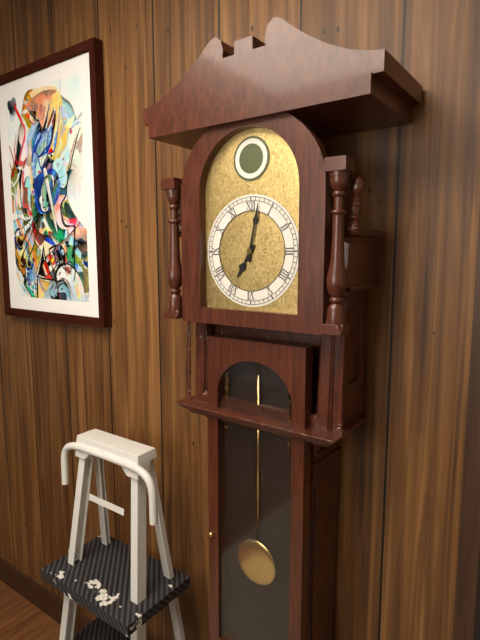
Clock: 7 h 02 min
